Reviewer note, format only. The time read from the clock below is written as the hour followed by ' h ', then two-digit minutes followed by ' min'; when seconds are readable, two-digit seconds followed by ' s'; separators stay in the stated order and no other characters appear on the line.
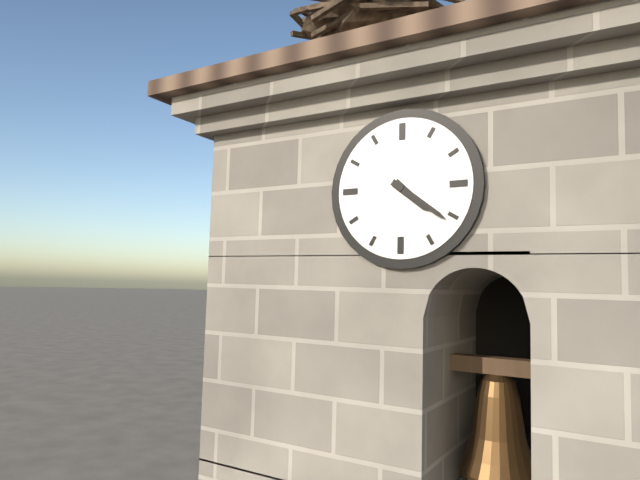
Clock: 4 h 21 min
